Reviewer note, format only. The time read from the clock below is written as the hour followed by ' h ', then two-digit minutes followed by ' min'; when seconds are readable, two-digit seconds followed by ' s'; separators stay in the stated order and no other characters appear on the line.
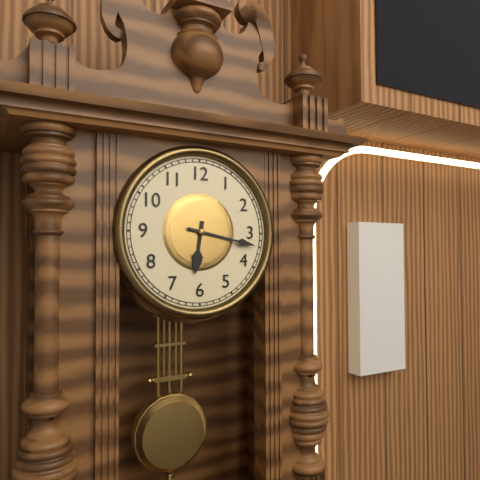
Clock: 6 h 17 min
